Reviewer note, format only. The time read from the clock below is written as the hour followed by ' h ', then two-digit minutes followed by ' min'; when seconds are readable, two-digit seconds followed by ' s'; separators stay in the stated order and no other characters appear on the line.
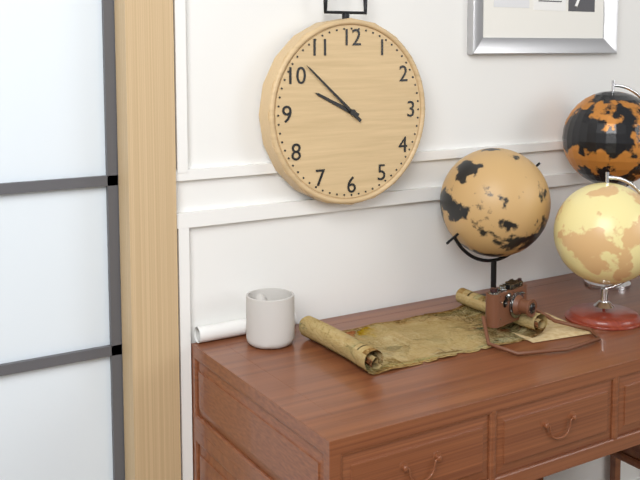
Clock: 9 h 52 min
